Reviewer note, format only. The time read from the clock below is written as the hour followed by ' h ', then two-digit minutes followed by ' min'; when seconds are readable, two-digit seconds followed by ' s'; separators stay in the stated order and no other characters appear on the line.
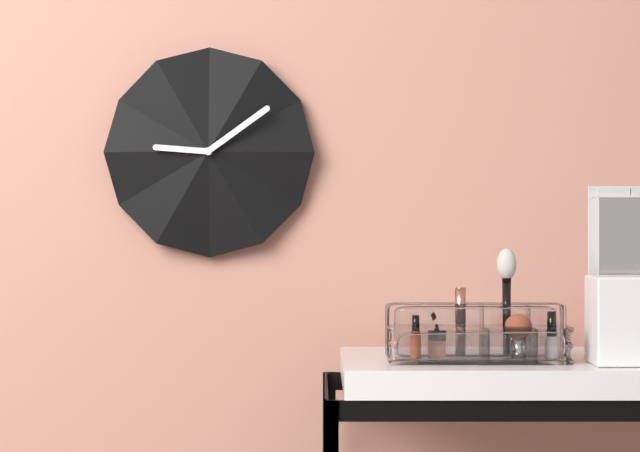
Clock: 9 h 09 min
